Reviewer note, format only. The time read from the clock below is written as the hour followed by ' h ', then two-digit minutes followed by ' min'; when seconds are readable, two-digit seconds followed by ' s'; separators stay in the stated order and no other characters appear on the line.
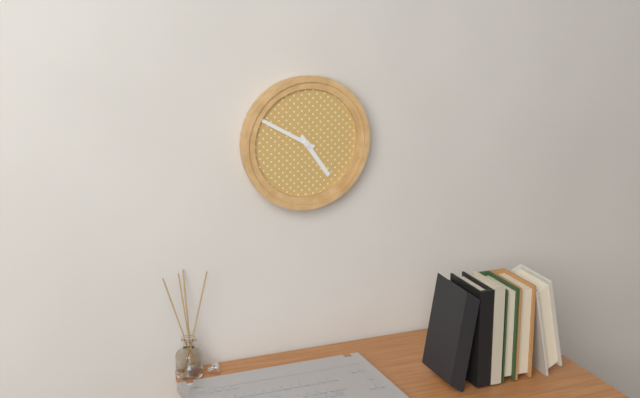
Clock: 4 h 50 min
